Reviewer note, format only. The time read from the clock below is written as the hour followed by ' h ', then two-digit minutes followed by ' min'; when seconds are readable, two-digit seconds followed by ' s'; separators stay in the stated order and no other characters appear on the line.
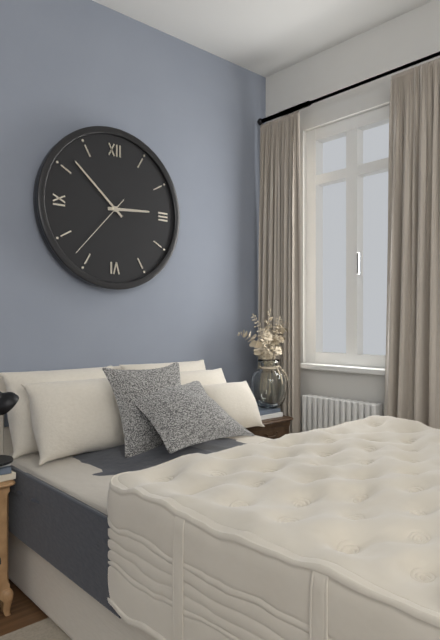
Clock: 2 h 52 min 37 s
